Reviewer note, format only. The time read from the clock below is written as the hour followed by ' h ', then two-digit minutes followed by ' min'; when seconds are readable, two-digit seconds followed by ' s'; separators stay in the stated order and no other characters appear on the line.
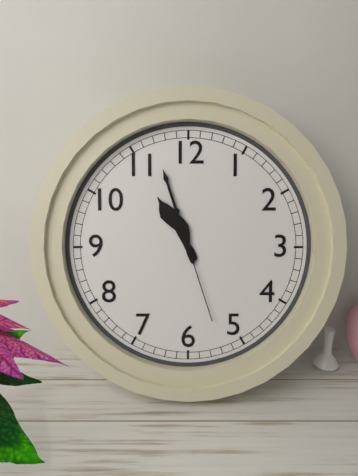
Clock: 10 h 57 min 27 s
